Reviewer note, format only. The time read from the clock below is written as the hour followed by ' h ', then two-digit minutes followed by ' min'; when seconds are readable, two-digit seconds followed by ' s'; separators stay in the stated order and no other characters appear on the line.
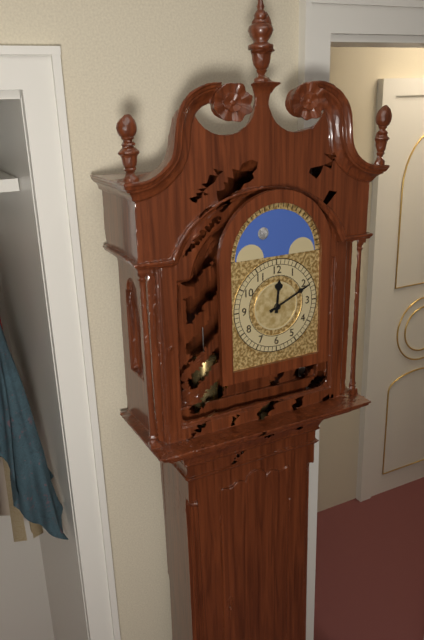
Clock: 12 h 11 min
